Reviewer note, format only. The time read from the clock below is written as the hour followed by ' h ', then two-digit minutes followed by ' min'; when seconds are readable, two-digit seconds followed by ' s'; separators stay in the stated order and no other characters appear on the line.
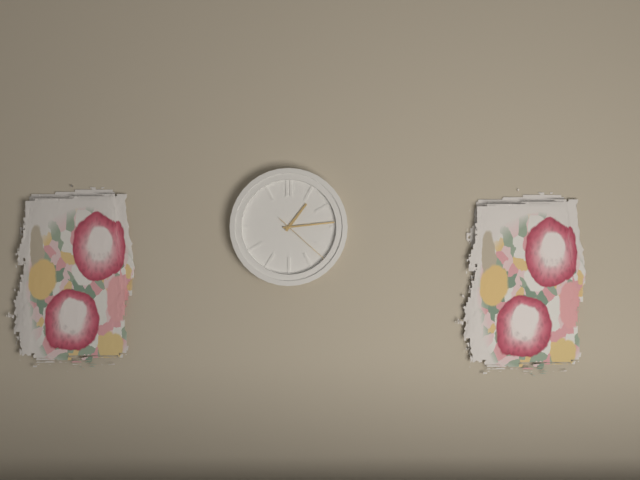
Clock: 1 h 14 min 22 s
